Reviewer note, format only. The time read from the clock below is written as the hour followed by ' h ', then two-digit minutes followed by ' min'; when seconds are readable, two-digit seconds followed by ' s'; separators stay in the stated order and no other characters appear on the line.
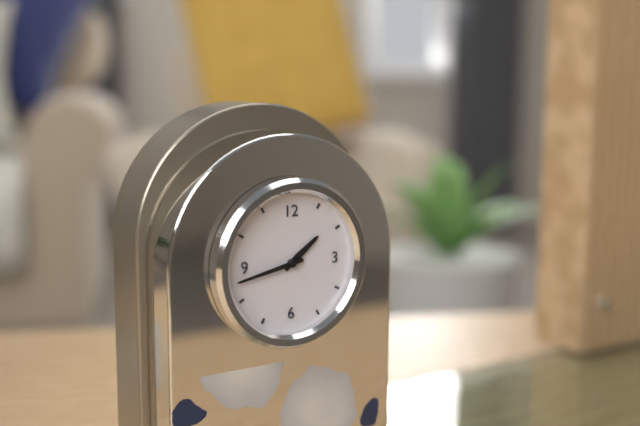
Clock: 1 h 43 min
